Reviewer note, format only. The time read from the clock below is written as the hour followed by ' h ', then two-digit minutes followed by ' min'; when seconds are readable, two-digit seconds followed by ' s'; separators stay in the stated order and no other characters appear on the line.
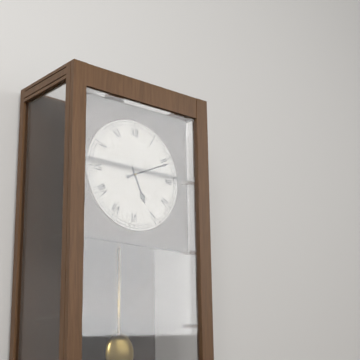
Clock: 5 h 11 min
